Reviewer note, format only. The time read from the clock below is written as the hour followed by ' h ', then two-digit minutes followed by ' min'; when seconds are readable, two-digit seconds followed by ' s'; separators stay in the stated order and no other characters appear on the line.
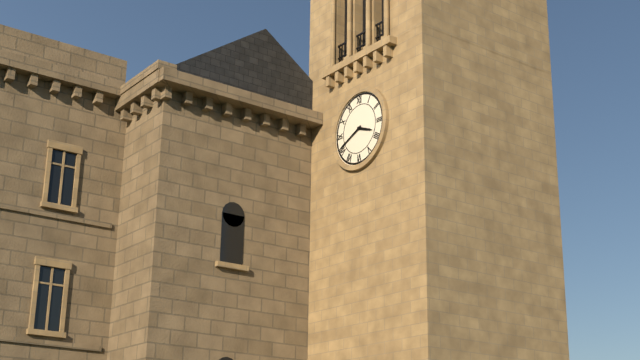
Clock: 3 h 41 min
